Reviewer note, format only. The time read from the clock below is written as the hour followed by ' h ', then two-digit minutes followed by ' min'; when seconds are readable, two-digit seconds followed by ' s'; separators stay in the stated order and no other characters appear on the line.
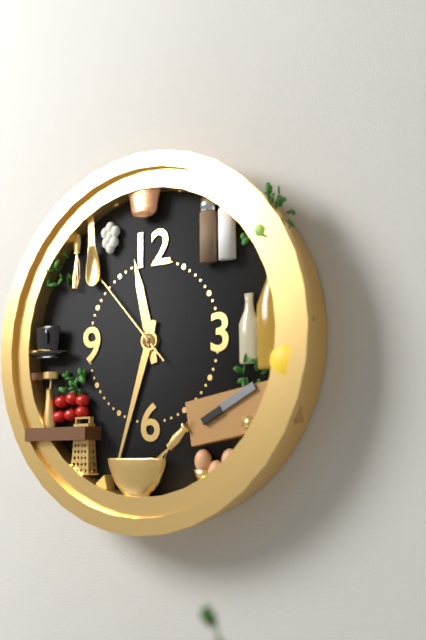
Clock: 11 h 33 min 53 s
